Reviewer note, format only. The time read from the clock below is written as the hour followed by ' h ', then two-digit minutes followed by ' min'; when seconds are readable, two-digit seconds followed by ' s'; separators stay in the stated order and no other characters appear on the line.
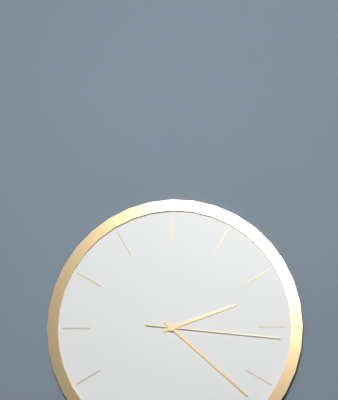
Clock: 2 h 22 min 16 s
